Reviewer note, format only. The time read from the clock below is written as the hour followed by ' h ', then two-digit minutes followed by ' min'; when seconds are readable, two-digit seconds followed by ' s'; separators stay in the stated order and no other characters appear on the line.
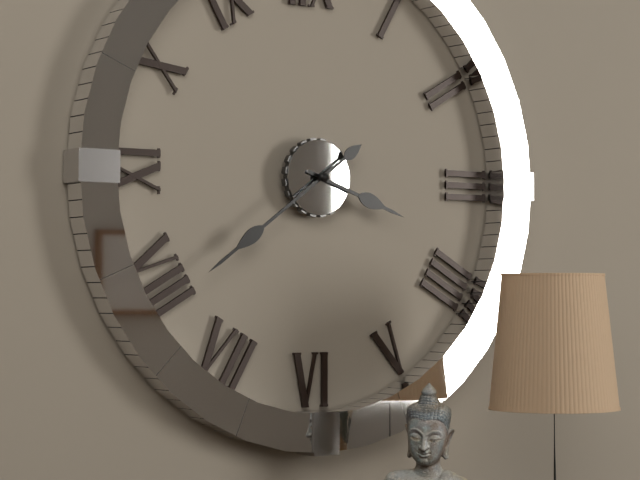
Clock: 3 h 39 min
